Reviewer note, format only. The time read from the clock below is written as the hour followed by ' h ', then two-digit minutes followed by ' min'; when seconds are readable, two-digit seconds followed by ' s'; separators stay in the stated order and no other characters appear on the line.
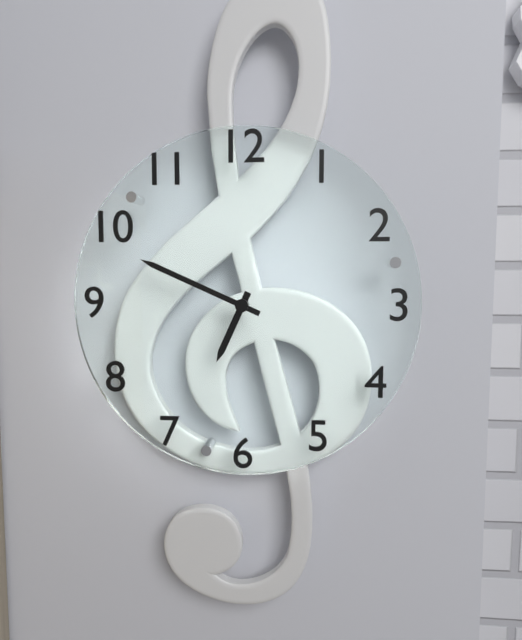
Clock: 6 h 49 min
